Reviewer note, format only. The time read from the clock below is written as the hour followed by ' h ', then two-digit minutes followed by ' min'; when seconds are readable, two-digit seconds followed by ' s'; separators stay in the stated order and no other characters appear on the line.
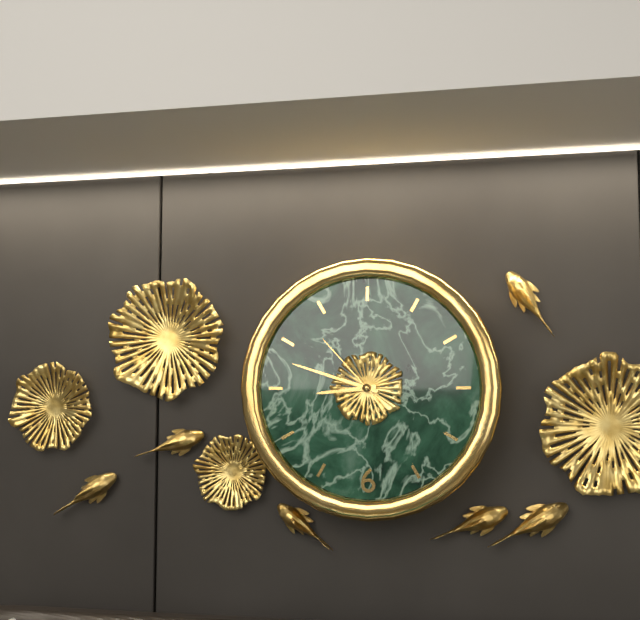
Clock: 8 h 48 min 53 s
